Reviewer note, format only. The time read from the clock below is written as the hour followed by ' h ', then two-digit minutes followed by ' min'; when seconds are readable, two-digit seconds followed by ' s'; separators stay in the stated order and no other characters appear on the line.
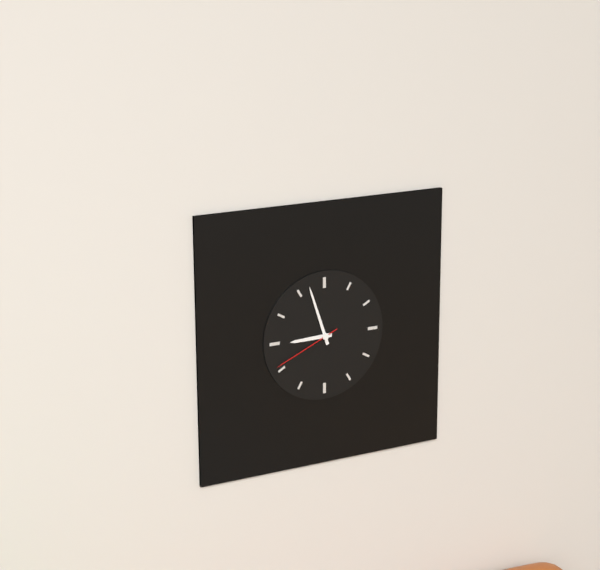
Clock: 8 h 57 min 41 s
